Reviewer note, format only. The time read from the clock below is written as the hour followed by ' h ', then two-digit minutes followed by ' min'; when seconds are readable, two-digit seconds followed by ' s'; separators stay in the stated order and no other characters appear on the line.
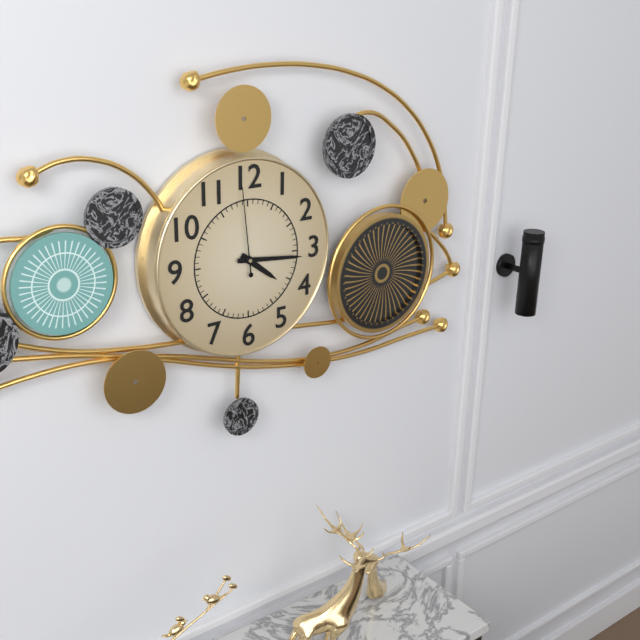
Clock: 4 h 16 min 59 s
